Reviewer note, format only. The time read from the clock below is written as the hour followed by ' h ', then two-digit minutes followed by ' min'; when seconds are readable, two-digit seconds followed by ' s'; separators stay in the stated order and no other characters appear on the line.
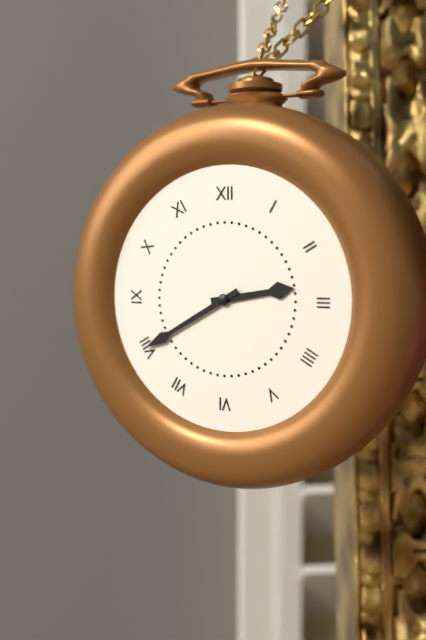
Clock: 2 h 40 min
